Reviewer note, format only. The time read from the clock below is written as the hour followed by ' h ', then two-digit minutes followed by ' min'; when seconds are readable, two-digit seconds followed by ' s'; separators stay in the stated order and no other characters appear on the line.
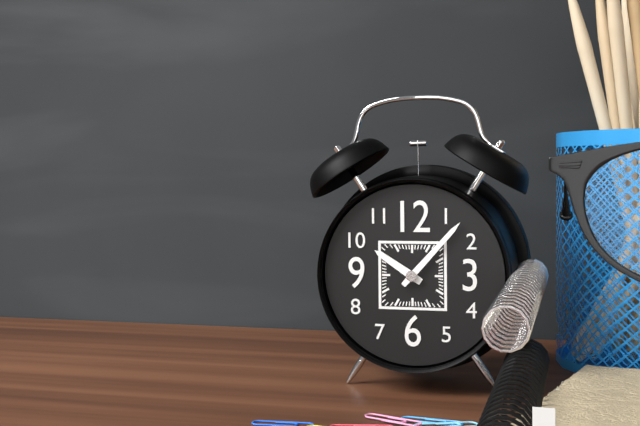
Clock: 10 h 07 min
